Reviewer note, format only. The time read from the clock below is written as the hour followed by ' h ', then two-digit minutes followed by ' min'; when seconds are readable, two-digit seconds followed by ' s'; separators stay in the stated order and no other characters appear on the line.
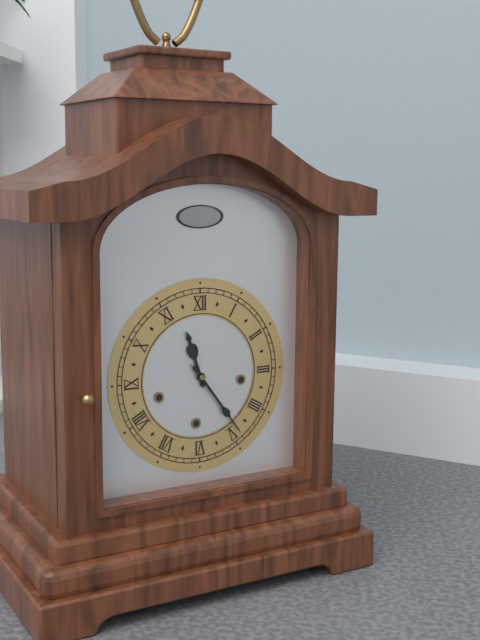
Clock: 11 h 24 min
